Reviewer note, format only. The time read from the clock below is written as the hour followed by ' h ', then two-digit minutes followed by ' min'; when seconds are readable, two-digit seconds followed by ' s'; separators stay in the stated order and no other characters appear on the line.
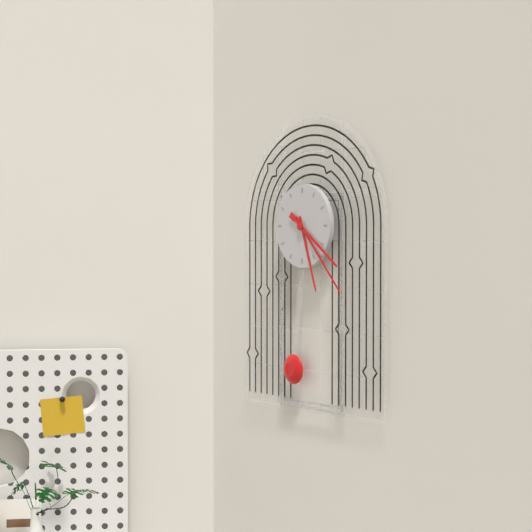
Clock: 5 h 23 min 21 s
